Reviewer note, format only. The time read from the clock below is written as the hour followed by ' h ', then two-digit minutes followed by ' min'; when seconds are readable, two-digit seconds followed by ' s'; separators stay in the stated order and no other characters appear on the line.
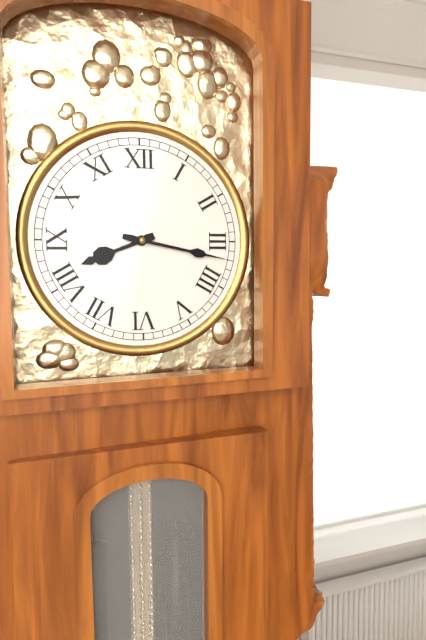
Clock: 8 h 17 min
